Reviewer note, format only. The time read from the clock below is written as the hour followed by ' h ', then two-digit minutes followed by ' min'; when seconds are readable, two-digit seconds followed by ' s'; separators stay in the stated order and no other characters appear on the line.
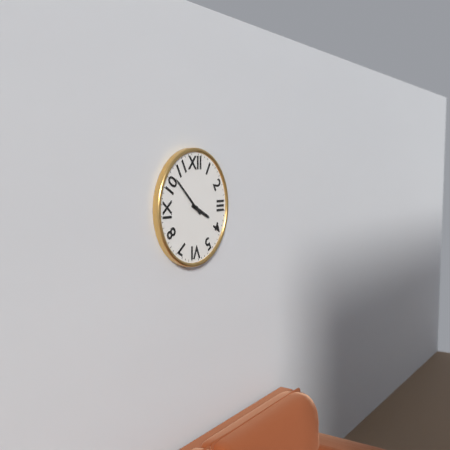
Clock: 3 h 52 min
